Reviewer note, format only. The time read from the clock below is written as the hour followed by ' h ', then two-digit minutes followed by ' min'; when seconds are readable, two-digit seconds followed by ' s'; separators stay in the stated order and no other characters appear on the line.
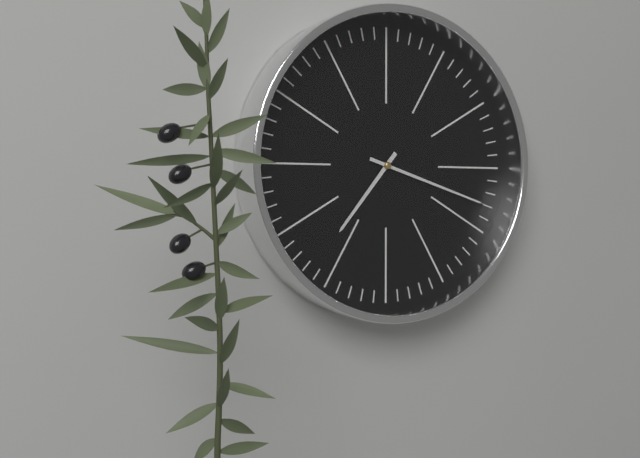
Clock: 7 h 18 min
